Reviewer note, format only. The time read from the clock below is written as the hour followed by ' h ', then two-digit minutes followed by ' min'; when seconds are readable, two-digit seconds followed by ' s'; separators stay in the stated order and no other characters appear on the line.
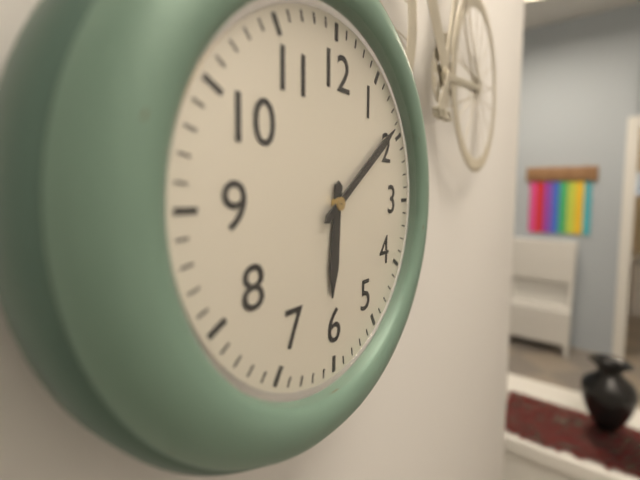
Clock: 6 h 09 min
